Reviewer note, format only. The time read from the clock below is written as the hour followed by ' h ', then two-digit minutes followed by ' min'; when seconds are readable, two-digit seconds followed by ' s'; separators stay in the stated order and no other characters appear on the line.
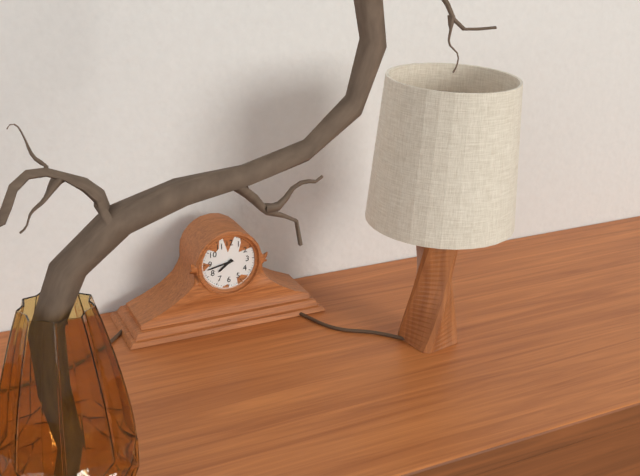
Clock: 7 h 43 min
